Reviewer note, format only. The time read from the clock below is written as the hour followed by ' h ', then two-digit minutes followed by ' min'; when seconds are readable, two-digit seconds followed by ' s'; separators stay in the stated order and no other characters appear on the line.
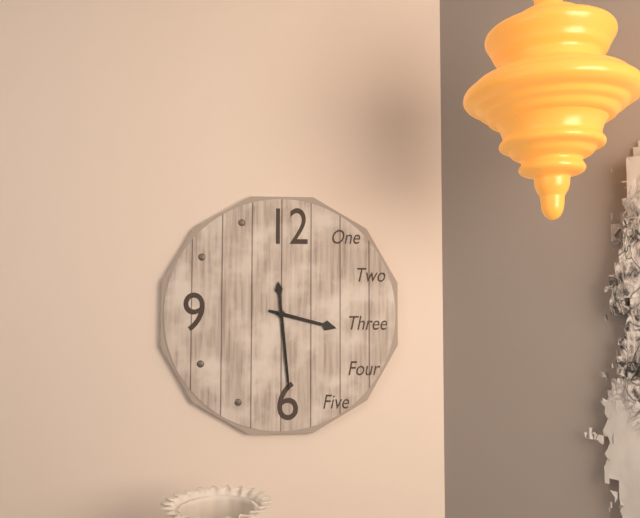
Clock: 3 h 29 min
